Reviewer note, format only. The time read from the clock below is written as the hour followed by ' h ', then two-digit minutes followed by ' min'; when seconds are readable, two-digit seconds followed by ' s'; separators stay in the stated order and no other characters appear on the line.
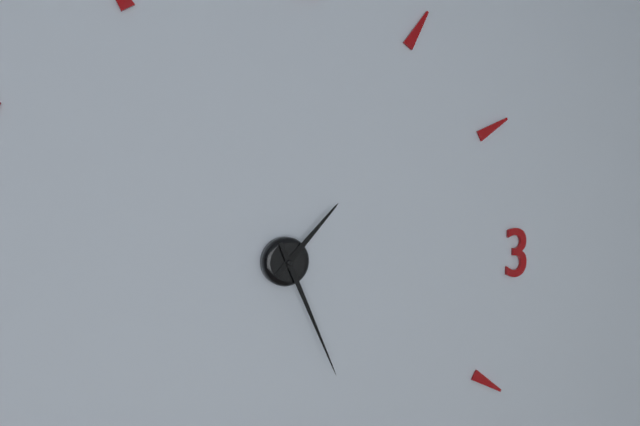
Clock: 1 h 26 min
